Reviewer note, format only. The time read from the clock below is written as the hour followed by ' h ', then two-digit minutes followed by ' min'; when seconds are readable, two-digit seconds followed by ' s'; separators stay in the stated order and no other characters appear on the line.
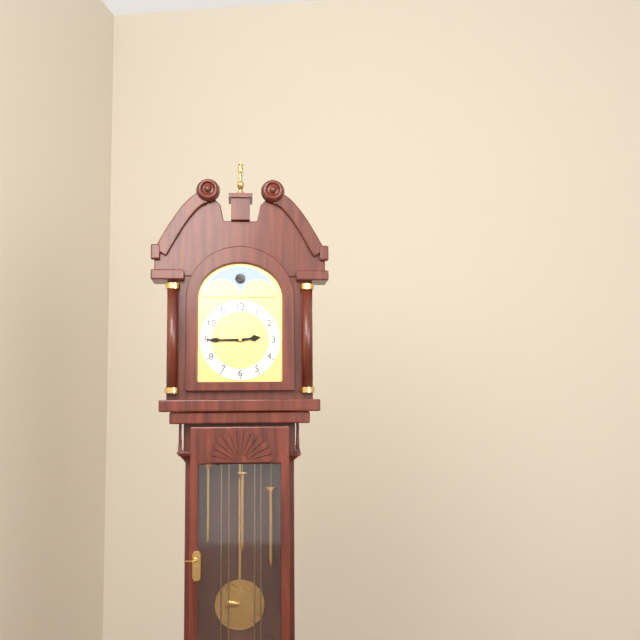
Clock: 2 h 45 min
